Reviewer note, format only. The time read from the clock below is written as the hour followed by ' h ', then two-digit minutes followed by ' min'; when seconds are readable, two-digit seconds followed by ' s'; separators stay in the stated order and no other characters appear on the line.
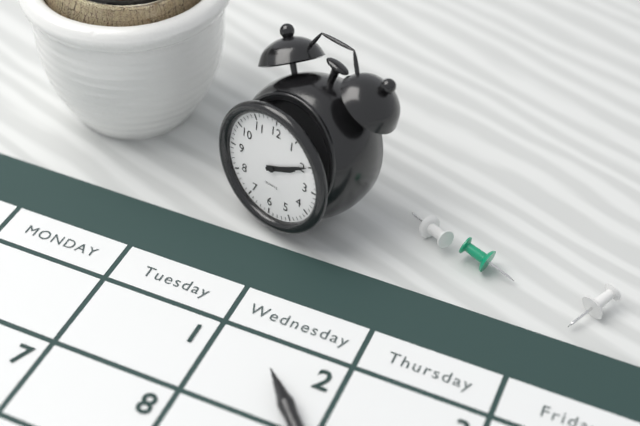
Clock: 2 h 10 min
